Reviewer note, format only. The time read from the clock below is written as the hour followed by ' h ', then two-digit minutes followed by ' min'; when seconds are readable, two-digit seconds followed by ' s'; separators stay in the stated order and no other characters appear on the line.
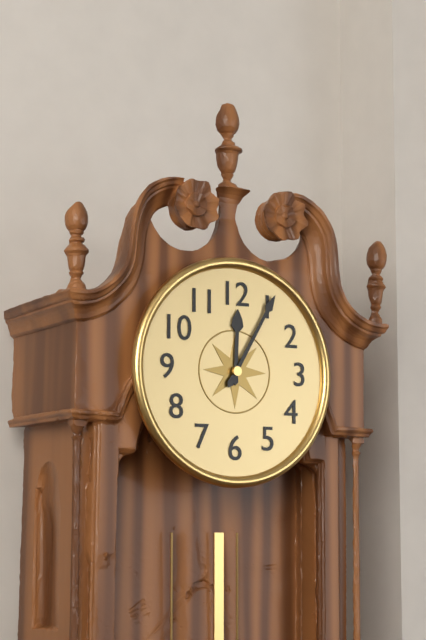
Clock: 12 h 05 min
